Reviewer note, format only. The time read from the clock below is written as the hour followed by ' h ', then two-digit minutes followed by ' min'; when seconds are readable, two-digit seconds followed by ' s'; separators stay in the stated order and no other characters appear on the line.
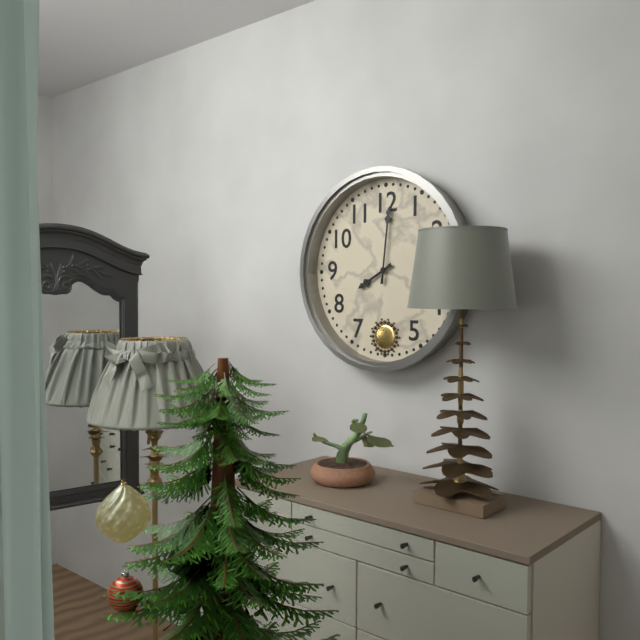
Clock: 8 h 01 min
